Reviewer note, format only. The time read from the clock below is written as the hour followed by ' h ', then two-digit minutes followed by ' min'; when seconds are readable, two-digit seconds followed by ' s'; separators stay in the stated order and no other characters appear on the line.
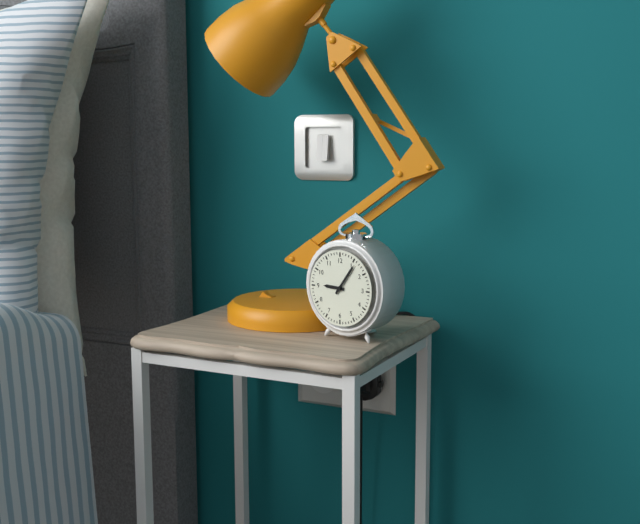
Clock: 9 h 06 min
